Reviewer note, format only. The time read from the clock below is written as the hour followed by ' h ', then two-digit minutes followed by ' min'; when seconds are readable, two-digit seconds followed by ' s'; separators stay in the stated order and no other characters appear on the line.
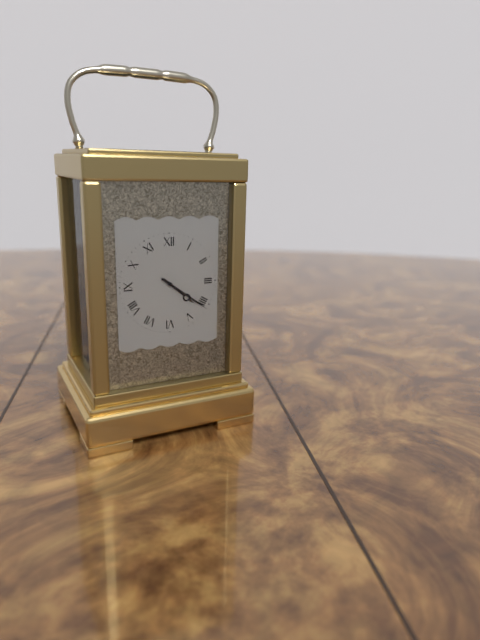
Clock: 4 h 21 min
